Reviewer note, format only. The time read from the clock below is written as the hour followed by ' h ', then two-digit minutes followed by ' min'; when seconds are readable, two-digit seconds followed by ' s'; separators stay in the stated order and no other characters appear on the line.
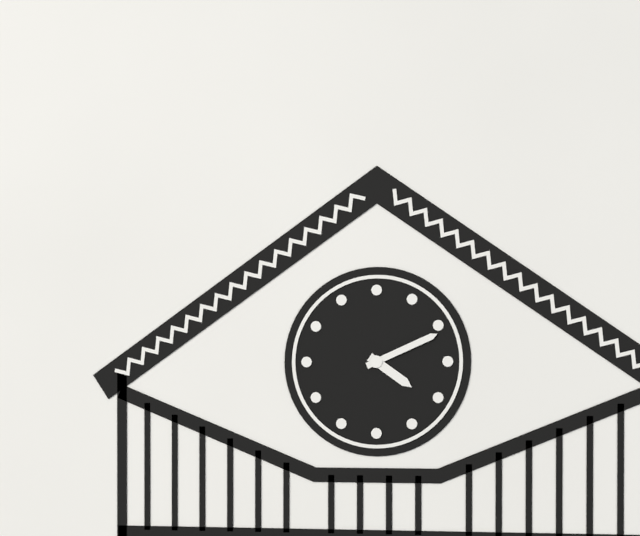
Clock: 4 h 11 min
